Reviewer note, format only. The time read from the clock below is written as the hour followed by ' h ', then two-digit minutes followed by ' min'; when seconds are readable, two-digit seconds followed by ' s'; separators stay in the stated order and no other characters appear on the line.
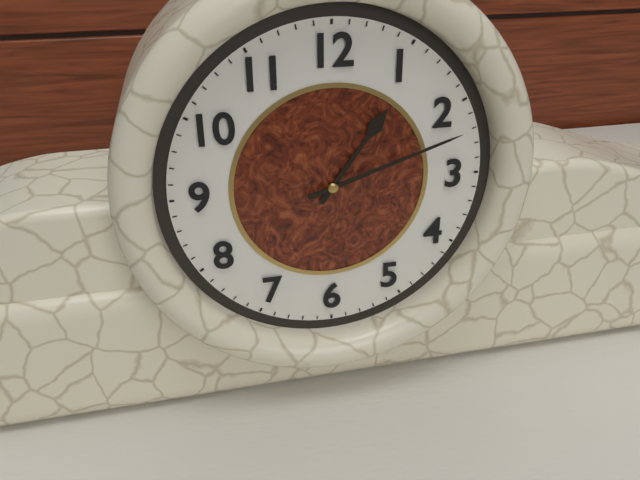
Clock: 1 h 12 min
